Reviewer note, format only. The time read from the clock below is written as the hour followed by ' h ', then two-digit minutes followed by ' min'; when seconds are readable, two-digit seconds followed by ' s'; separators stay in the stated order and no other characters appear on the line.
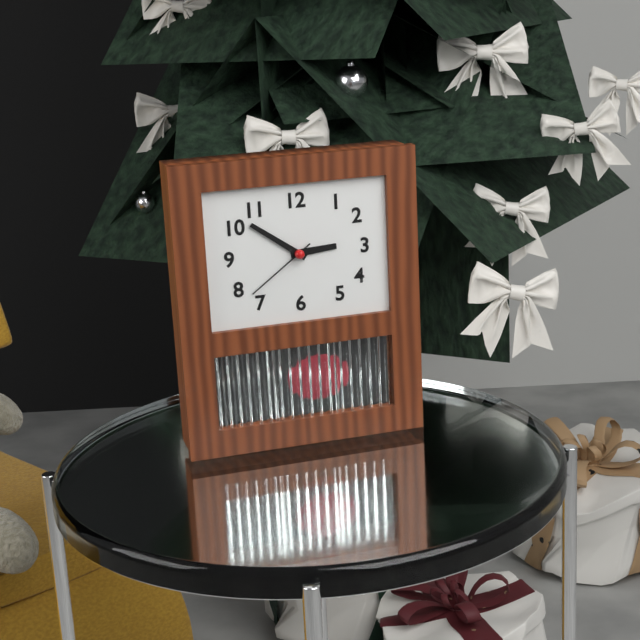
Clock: 2 h 51 min 39 s
